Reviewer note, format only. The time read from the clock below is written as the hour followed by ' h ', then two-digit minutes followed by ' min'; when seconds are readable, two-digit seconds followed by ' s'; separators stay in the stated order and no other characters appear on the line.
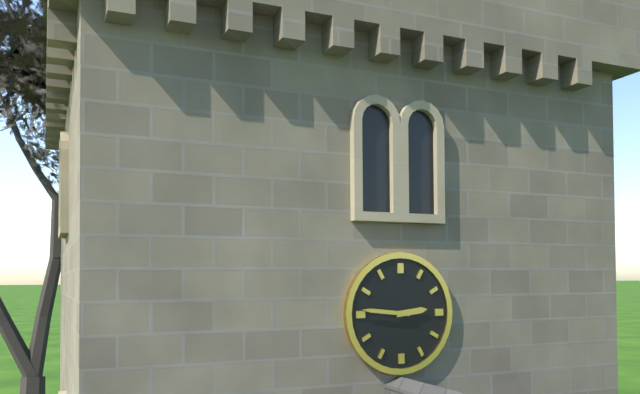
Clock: 2 h 46 min
